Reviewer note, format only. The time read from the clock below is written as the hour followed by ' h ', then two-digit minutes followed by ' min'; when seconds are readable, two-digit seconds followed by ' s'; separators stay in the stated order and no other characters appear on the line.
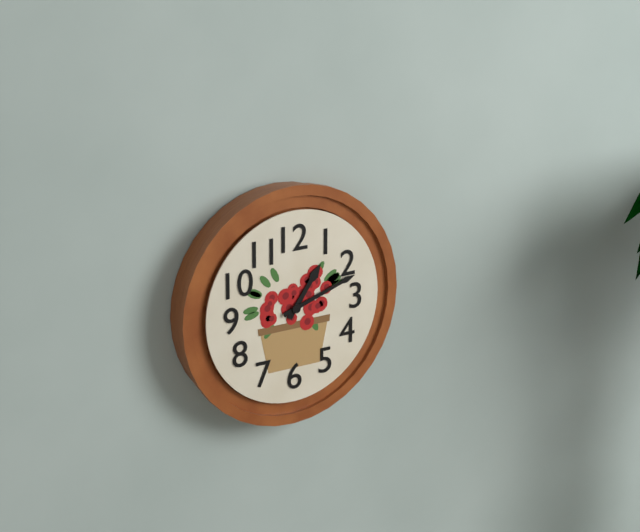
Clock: 1 h 12 min
